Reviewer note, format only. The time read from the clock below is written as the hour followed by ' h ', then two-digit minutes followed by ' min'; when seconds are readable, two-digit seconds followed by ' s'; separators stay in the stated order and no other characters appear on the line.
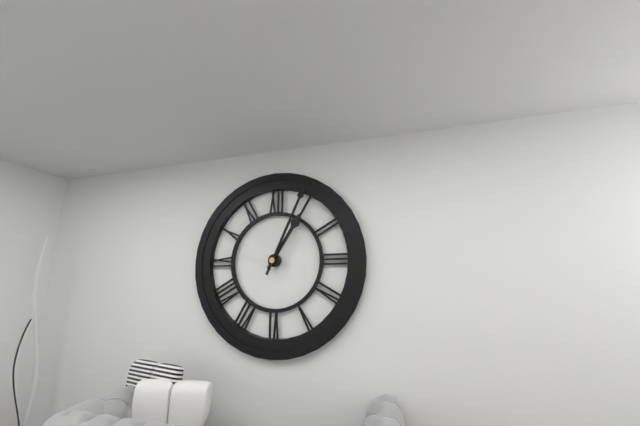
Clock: 1 h 04 min
